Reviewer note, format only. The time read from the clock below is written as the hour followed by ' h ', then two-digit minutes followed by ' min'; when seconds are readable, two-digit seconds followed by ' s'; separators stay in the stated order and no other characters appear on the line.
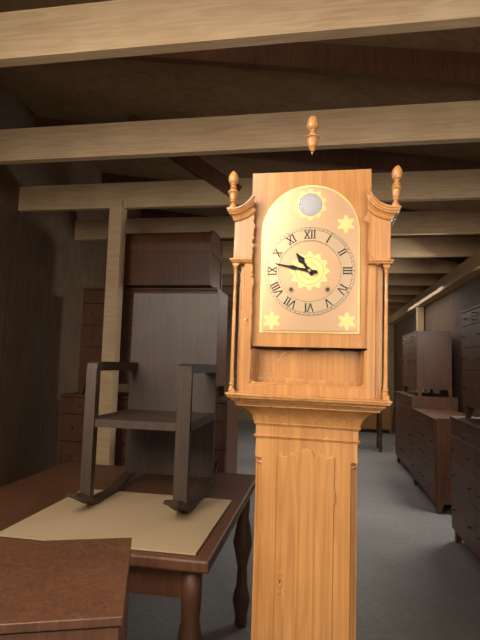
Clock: 10 h 47 min
